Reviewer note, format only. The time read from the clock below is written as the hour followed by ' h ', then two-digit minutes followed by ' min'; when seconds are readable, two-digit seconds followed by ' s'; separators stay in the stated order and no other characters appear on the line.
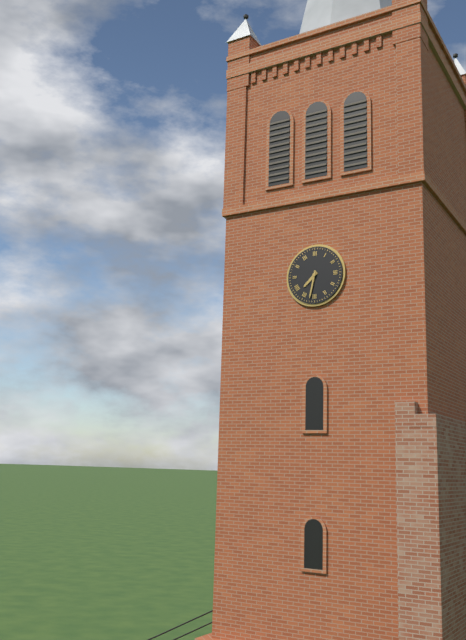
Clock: 7 h 32 min
